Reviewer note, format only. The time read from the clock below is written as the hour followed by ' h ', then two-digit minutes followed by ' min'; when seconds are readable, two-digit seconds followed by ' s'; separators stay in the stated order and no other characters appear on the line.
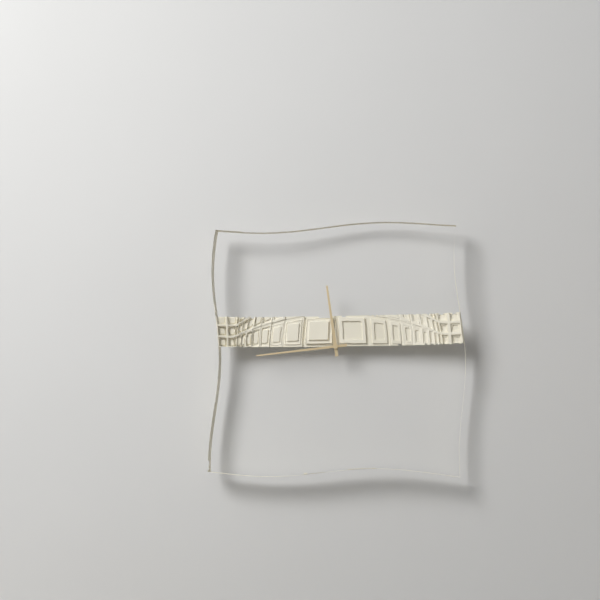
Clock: 11 h 44 min
